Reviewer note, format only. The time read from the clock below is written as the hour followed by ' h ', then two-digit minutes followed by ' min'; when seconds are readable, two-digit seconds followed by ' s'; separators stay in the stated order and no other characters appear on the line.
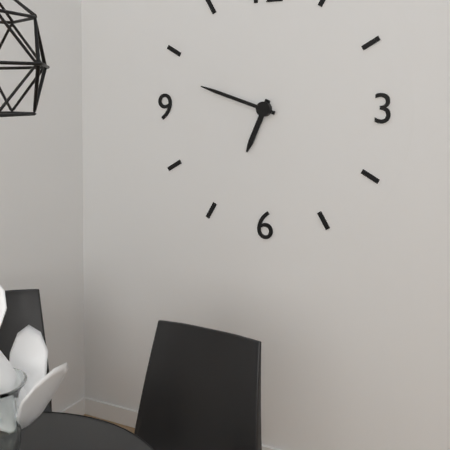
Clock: 6 h 48 min
